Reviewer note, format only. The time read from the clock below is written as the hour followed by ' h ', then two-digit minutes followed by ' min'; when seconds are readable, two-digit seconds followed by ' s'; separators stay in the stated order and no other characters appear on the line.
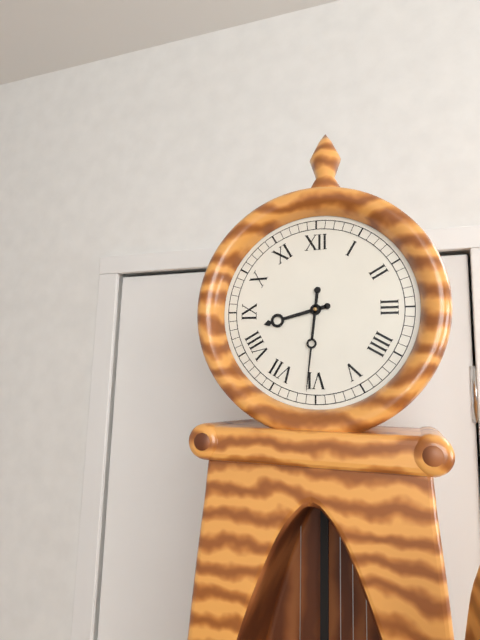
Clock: 8 h 31 min
